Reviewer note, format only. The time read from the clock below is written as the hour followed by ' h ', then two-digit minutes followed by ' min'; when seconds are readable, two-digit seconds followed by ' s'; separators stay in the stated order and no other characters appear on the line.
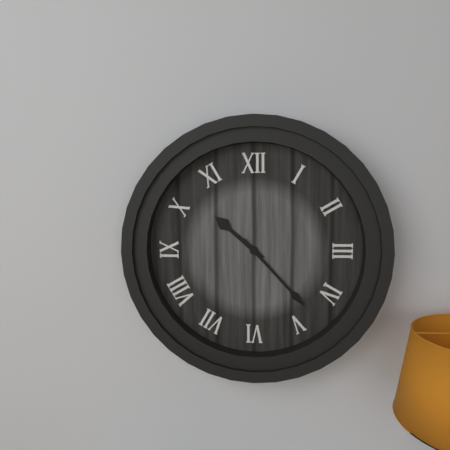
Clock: 10 h 23 min
